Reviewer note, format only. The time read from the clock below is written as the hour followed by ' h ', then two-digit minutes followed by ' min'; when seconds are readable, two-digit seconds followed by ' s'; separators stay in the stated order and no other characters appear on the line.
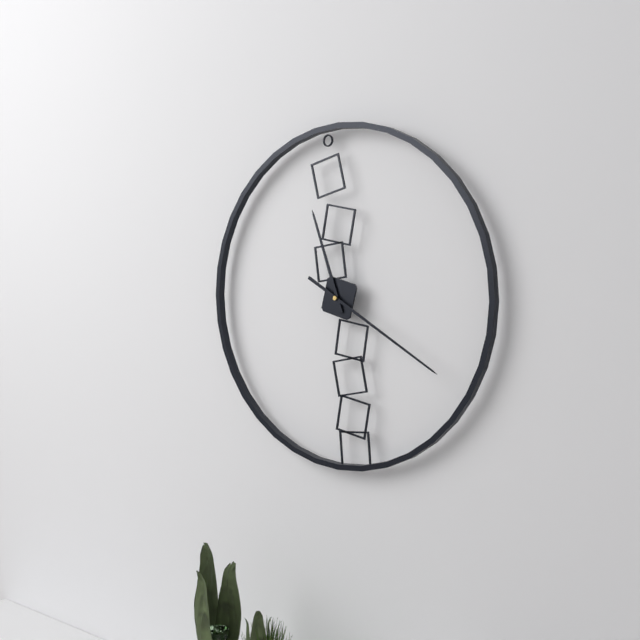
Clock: 11 h 20 min
